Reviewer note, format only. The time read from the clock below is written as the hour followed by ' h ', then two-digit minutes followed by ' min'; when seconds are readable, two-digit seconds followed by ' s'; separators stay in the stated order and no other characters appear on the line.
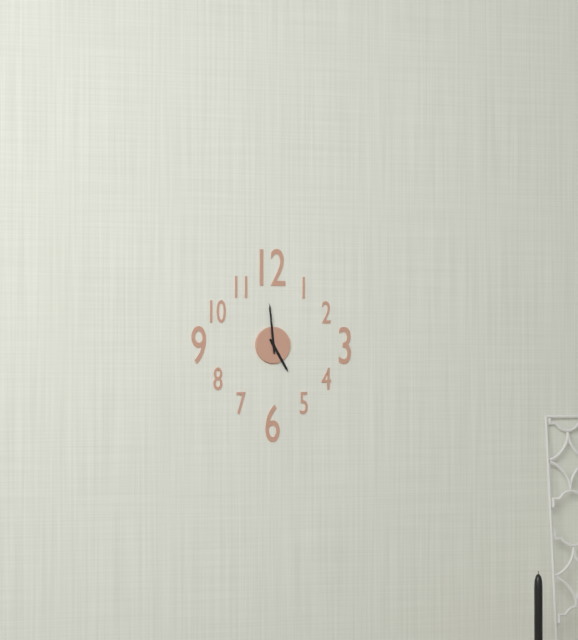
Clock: 4 h 59 min
